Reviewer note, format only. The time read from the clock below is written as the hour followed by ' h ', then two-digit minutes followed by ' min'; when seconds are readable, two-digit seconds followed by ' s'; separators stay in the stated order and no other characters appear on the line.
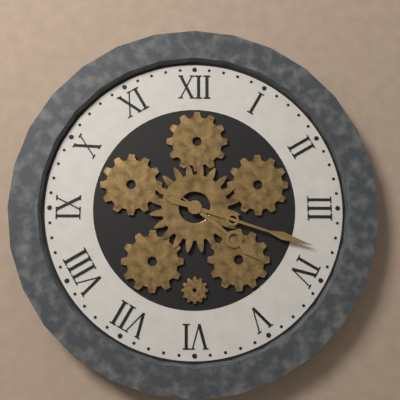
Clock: 4 h 18 min
